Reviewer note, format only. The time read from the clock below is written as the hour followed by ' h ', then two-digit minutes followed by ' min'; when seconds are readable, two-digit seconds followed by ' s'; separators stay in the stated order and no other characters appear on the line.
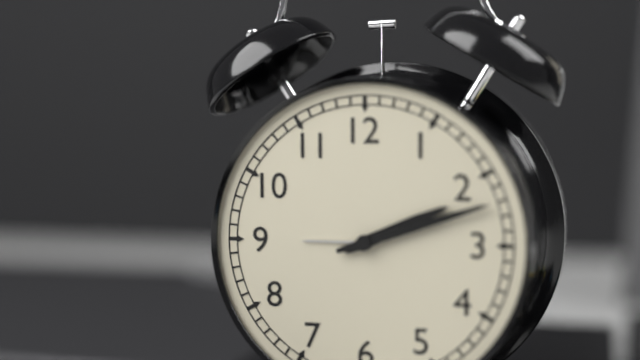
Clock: 2 h 12 min
